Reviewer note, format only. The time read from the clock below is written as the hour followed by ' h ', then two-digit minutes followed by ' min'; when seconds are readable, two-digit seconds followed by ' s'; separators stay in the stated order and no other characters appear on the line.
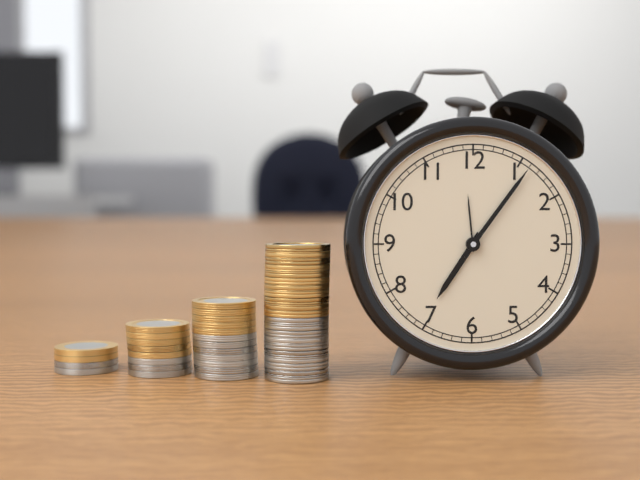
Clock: 7 h 06 min
